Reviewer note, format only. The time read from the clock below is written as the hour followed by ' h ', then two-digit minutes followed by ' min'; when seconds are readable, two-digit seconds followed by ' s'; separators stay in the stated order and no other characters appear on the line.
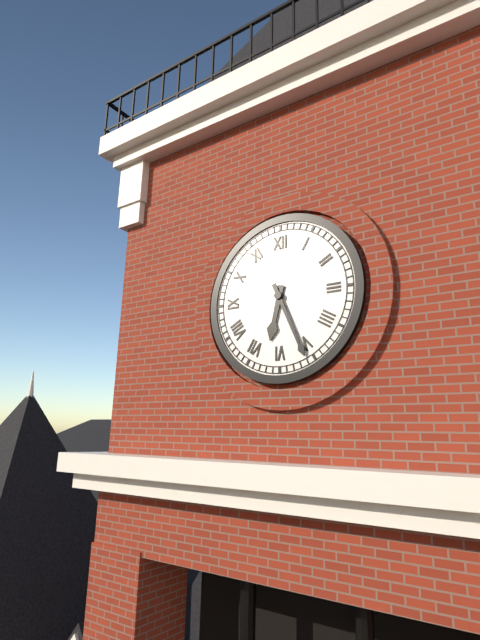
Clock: 6 h 26 min
